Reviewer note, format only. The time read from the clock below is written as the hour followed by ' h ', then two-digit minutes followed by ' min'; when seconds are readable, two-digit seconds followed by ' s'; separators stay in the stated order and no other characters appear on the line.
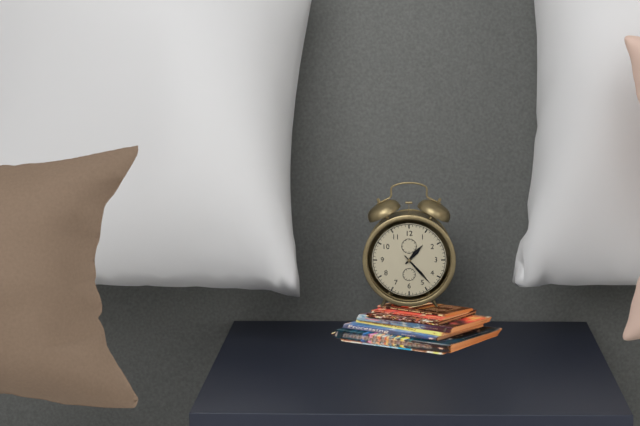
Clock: 1 h 23 min
